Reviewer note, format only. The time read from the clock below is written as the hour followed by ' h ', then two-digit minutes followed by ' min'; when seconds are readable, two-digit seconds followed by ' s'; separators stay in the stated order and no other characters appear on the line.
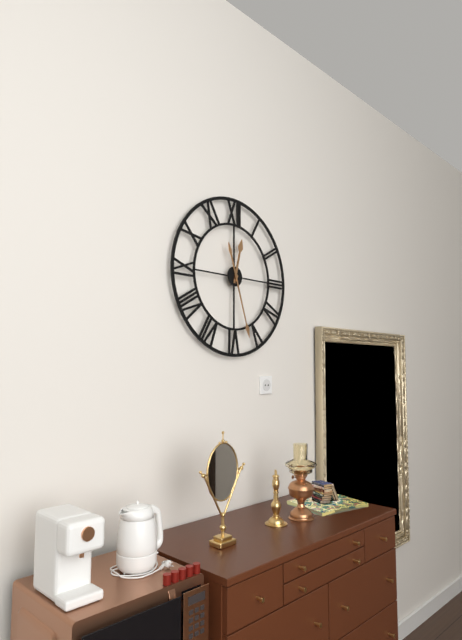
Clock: 12 h 27 min
